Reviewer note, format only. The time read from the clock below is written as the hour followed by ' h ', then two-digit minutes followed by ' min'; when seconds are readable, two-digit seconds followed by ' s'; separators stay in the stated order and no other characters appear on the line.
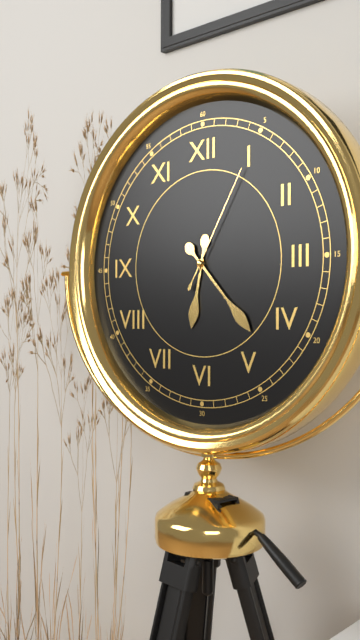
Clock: 6 h 23 min 05 s
